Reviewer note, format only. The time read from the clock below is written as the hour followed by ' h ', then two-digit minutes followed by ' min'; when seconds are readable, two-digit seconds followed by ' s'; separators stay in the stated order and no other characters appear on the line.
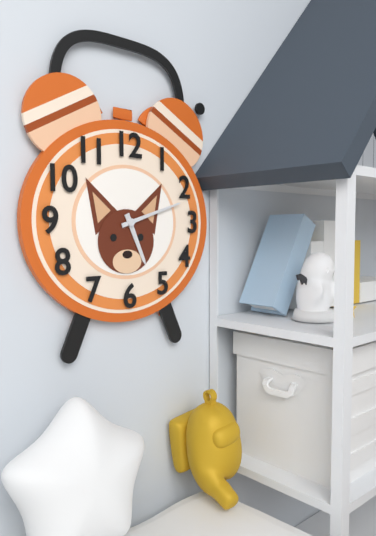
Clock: 5 h 12 min
